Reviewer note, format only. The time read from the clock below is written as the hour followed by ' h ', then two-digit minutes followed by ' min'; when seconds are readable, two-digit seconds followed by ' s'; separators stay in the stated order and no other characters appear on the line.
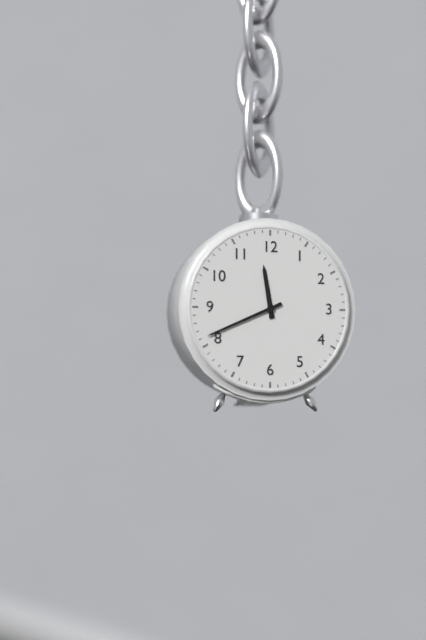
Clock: 11 h 41 min
